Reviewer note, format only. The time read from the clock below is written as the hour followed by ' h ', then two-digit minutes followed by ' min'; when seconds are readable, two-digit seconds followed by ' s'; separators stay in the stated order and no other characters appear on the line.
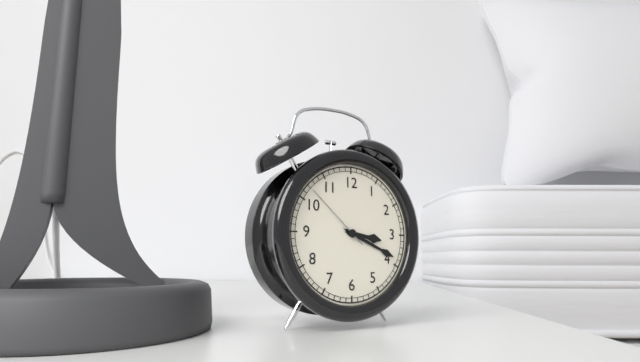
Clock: 3 h 19 min 52 s
